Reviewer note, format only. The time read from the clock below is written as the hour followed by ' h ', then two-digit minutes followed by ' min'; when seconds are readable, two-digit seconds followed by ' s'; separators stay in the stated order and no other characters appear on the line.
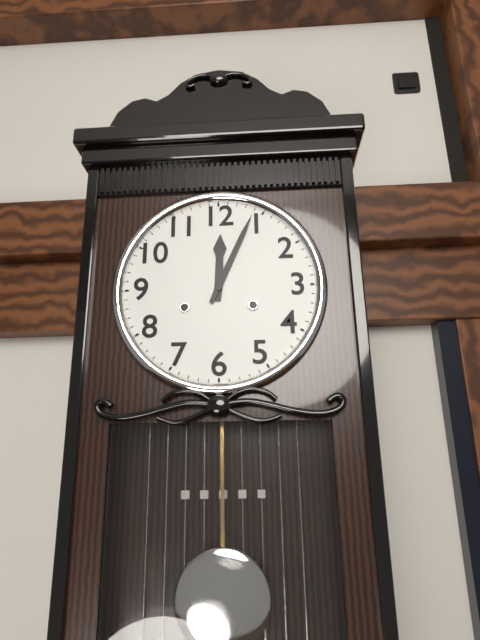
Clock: 12 h 04 min
